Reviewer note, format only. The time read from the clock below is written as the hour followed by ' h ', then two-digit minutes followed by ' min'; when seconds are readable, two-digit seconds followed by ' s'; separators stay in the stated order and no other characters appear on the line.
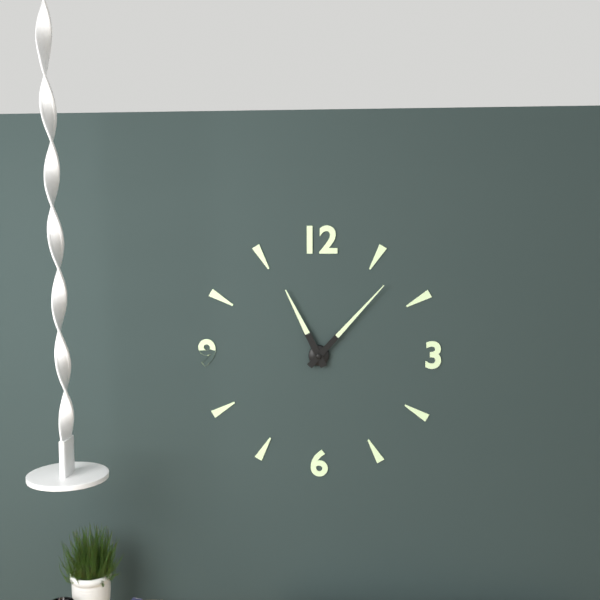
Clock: 11 h 07 min
